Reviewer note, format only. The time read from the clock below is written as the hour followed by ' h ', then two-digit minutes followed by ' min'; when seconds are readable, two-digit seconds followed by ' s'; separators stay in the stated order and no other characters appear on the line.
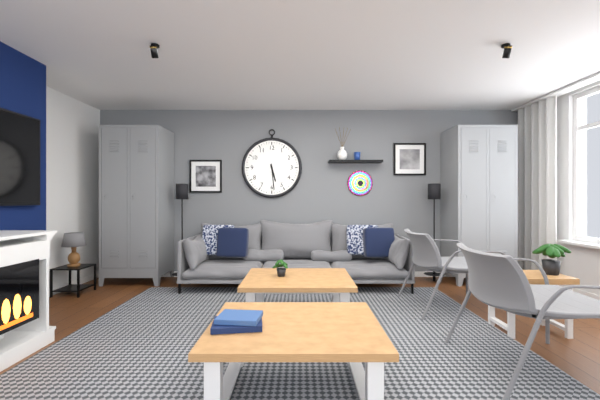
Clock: 5 h 29 min
